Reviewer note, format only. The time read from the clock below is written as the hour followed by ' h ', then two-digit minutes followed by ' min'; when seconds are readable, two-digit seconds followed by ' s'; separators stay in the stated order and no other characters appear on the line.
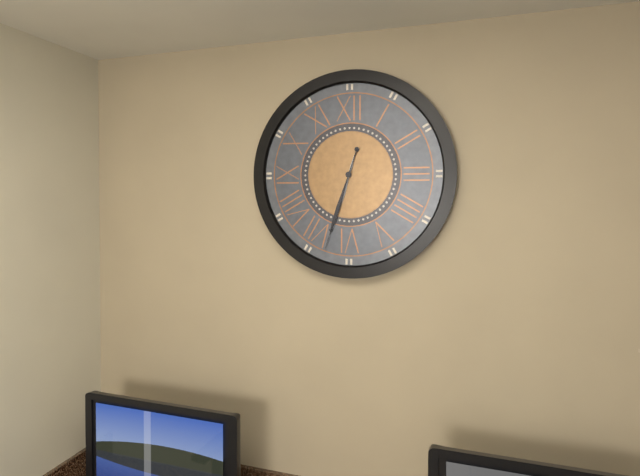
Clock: 6 h 33 min
